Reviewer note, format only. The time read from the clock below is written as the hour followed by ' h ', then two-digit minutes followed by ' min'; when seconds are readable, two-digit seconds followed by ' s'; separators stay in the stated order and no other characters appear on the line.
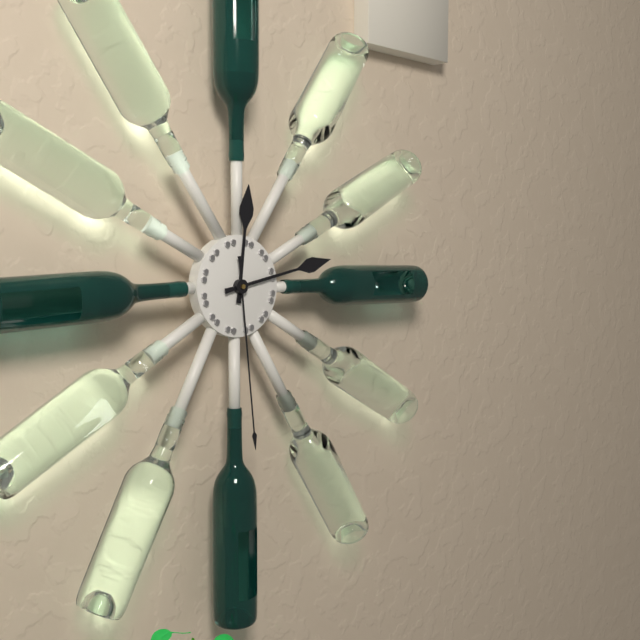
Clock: 12 h 13 min 29 s
